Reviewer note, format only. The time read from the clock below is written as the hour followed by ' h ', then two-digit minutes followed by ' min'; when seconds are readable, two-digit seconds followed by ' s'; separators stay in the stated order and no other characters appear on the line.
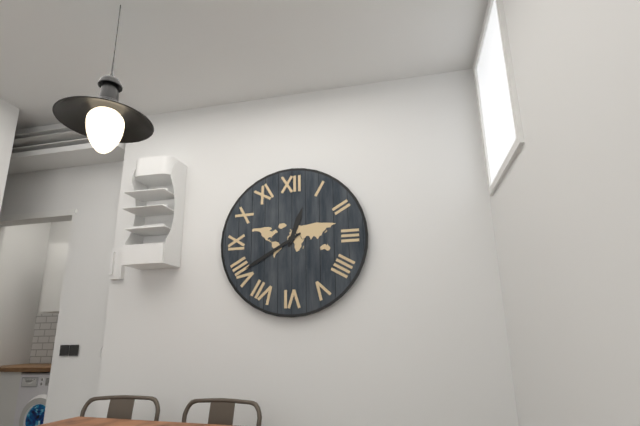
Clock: 12 h 40 min
